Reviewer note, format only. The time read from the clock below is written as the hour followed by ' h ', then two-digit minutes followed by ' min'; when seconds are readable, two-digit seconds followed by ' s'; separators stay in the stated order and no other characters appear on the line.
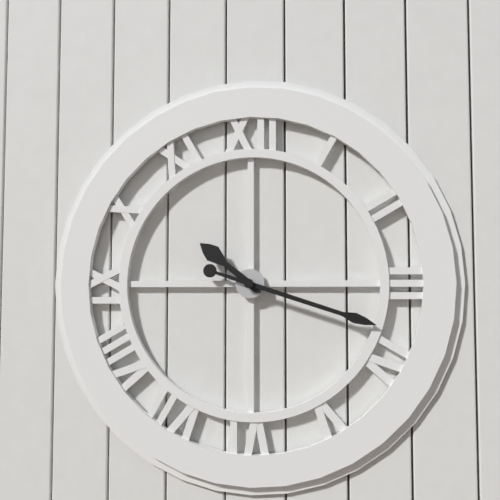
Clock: 10 h 18 min
